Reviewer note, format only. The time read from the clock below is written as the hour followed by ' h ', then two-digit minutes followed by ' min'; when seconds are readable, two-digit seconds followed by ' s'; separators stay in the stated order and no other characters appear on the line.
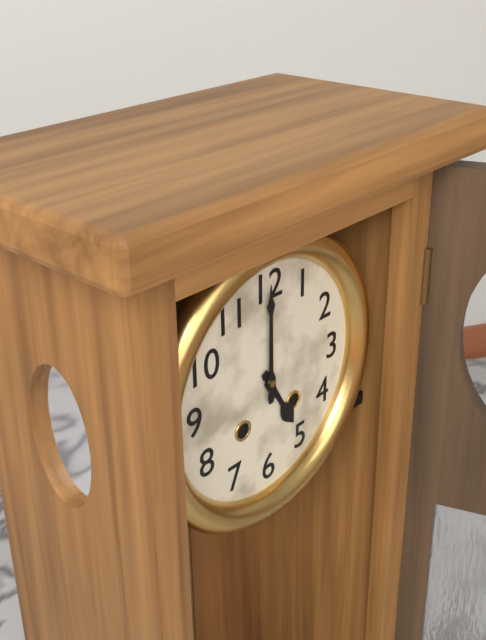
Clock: 5 h 00 min
